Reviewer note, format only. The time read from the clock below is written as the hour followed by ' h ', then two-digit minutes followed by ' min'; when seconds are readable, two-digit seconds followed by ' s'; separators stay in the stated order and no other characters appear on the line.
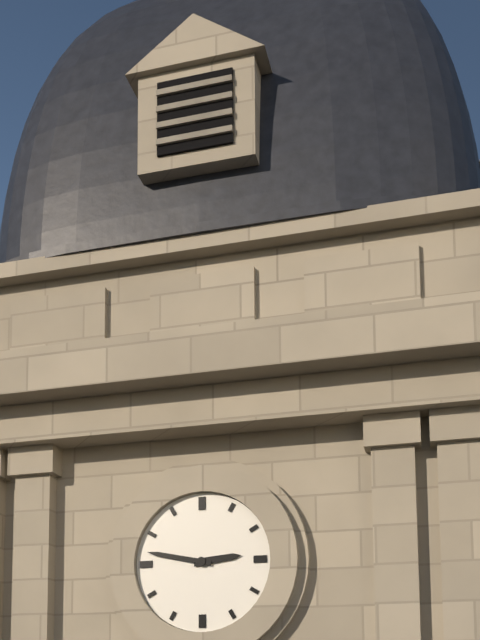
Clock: 2 h 47 min
